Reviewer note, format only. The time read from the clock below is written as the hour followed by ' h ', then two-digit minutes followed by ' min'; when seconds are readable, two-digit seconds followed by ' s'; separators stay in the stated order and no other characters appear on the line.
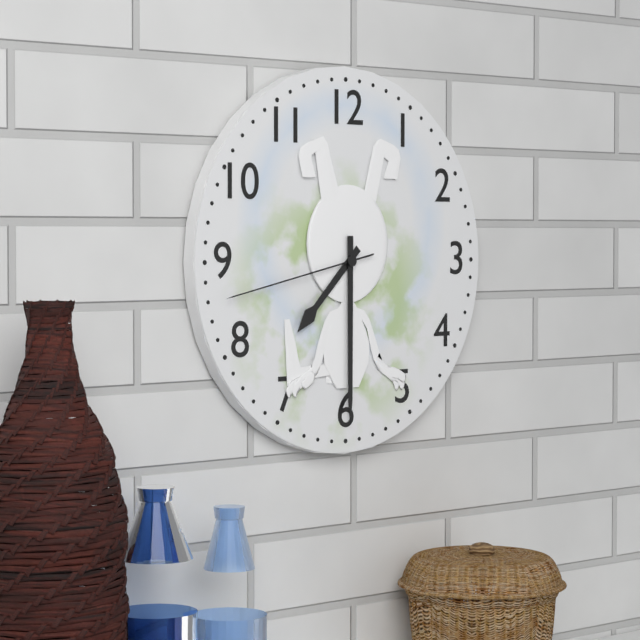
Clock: 7 h 30 min 43 s
